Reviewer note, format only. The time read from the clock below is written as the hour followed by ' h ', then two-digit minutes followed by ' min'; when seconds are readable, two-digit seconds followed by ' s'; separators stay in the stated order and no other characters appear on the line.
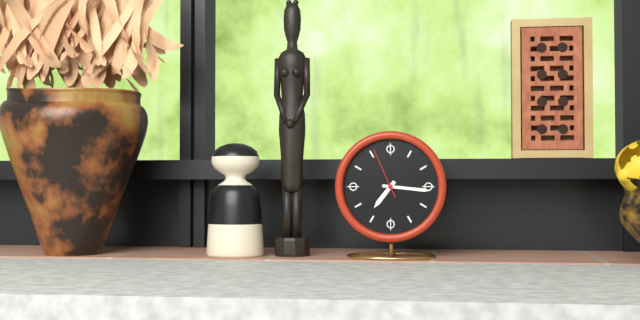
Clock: 7 h 16 min 56 s
